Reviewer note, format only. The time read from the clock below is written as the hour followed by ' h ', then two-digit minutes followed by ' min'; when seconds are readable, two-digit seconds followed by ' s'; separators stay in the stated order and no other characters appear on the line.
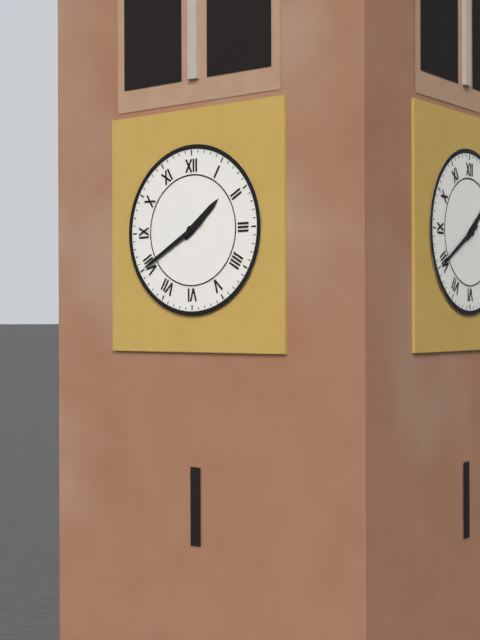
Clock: 1 h 40 min
